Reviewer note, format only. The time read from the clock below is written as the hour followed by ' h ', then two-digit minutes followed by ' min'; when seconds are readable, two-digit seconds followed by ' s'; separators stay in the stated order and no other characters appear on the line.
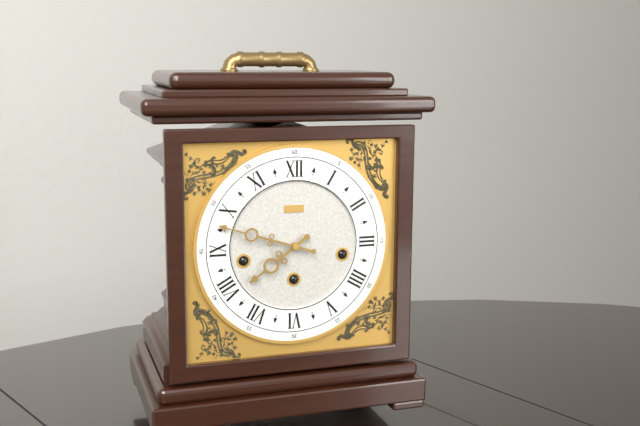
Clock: 7 h 48 min
